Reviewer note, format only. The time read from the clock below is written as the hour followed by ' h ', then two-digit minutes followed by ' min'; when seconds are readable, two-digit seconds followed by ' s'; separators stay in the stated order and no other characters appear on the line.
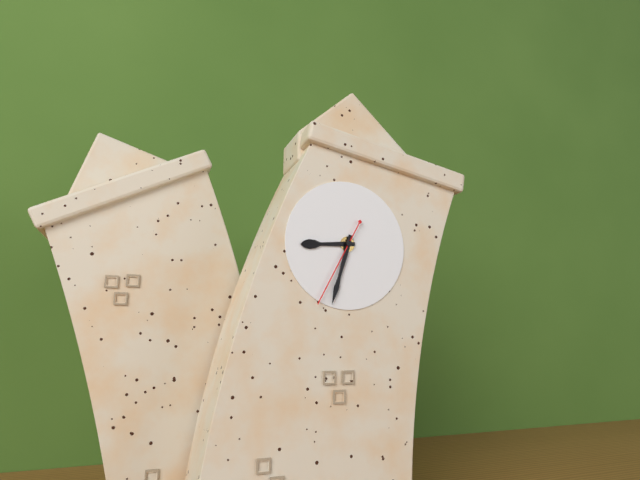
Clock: 8 h 31 min 33 s
